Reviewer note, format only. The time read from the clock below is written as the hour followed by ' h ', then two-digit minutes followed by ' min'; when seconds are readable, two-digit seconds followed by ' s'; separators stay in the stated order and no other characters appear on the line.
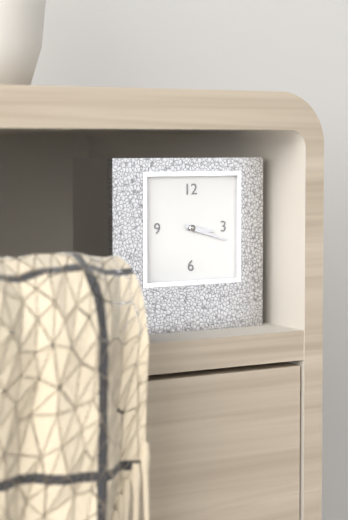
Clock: 3 h 18 min
